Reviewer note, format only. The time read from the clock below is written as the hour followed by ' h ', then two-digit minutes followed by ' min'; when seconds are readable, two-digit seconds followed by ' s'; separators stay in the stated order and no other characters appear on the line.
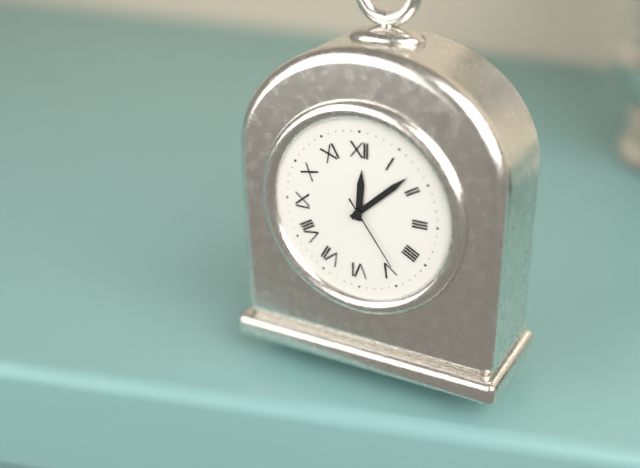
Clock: 12 h 08 min 24 s
